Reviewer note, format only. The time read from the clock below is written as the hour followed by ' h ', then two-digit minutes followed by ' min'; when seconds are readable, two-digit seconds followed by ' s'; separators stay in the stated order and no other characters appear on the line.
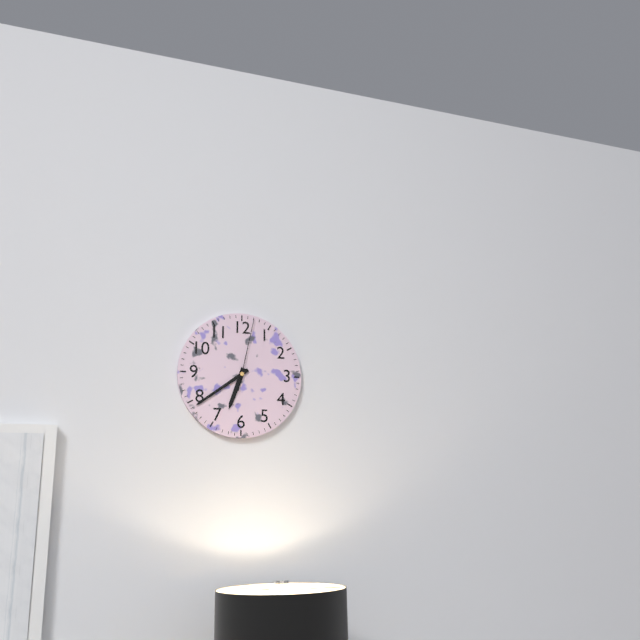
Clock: 6 h 39 min 02 s
